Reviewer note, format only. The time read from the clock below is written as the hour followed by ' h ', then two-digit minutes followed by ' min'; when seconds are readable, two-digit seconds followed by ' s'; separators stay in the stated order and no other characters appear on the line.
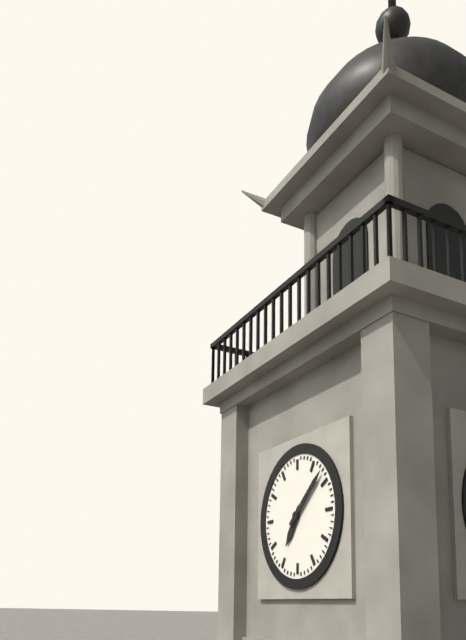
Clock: 7 h 08 min
